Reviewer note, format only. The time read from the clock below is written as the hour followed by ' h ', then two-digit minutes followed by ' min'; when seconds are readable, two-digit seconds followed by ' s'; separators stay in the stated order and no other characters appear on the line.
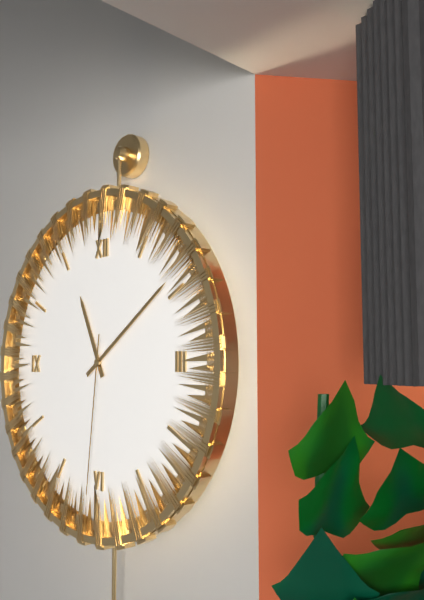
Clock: 11 h 09 min 31 s
